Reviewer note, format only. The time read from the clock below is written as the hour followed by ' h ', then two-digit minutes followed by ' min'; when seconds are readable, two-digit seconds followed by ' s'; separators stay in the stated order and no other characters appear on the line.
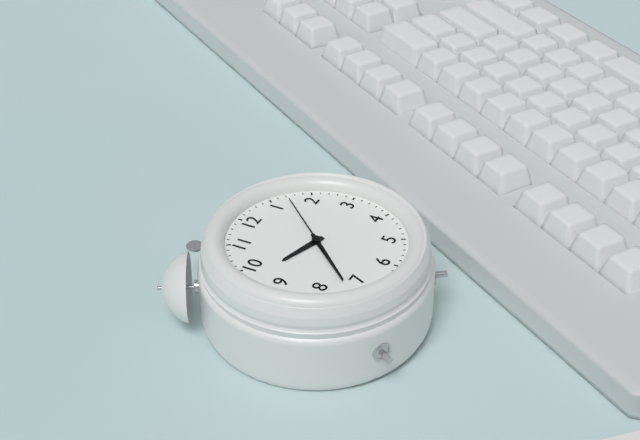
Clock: 9 h 37 min 07 s
